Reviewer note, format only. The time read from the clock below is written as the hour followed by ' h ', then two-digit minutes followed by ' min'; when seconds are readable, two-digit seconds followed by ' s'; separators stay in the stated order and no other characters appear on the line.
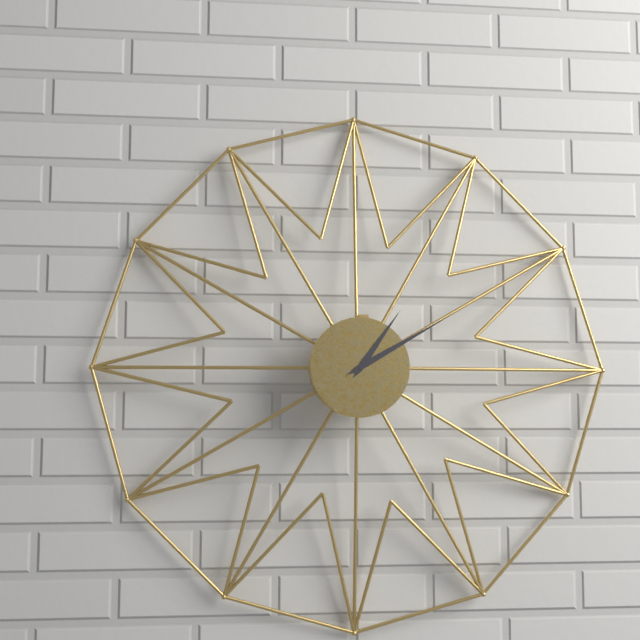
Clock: 1 h 10 min
